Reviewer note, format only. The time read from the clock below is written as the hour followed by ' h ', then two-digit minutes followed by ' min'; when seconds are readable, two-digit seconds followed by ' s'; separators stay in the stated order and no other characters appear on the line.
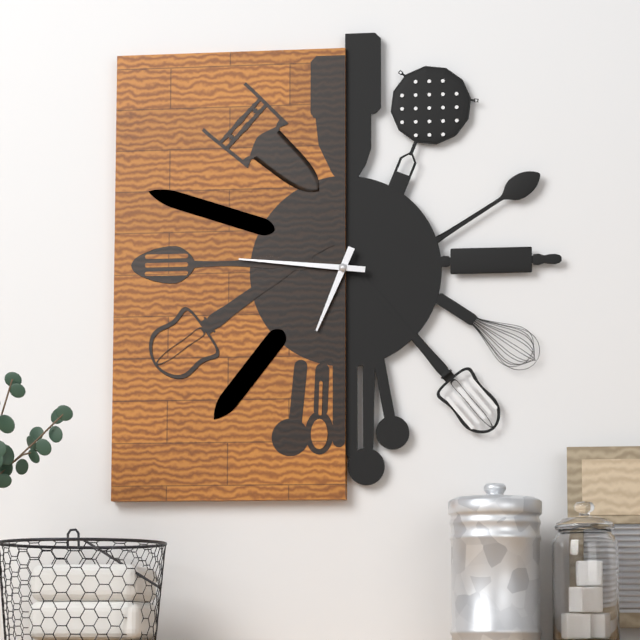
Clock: 6 h 46 min
